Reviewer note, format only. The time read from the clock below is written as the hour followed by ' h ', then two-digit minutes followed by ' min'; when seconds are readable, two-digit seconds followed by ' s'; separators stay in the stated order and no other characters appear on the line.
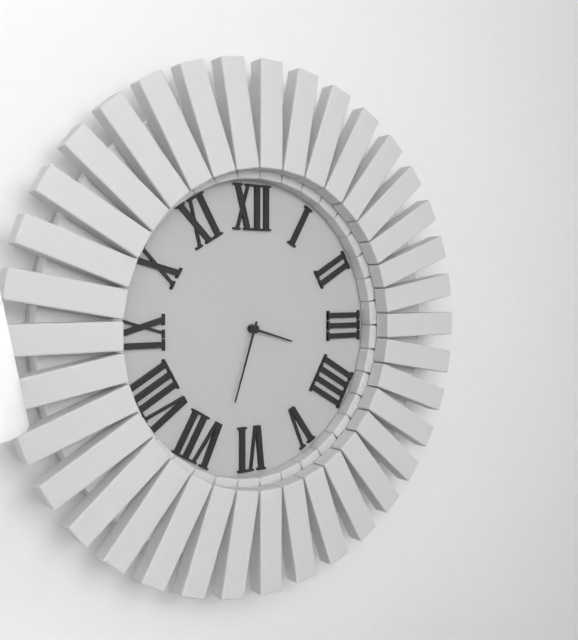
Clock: 3 h 33 min
